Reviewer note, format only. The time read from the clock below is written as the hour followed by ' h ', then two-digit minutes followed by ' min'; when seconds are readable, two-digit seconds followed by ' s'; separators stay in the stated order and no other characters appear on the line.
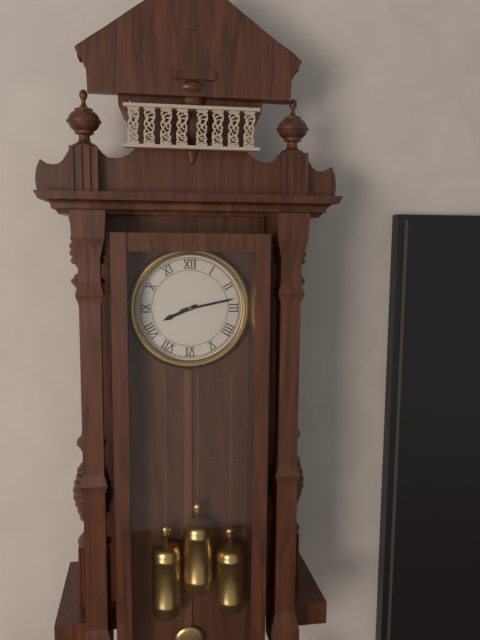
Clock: 8 h 13 min
